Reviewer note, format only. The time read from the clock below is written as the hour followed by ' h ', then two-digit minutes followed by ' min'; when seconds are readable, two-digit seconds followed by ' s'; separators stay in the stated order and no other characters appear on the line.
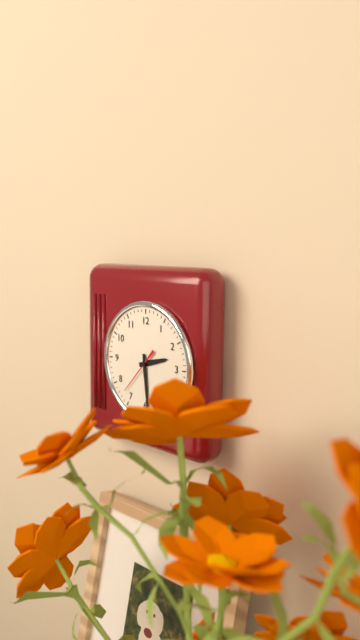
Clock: 2 h 29 min
